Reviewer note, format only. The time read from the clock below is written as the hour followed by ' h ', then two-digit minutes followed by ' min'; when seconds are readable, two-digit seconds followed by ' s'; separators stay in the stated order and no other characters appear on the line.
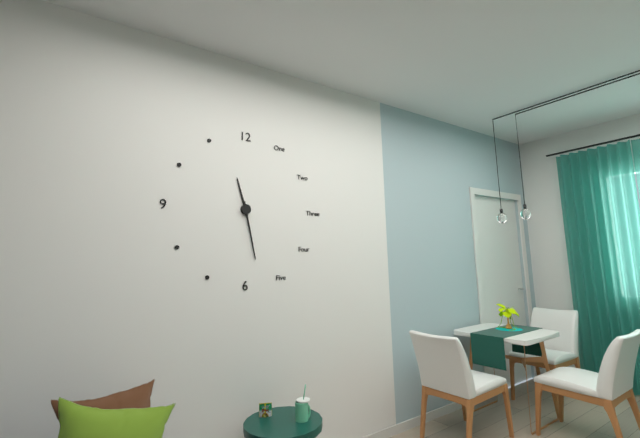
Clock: 11 h 28 min
